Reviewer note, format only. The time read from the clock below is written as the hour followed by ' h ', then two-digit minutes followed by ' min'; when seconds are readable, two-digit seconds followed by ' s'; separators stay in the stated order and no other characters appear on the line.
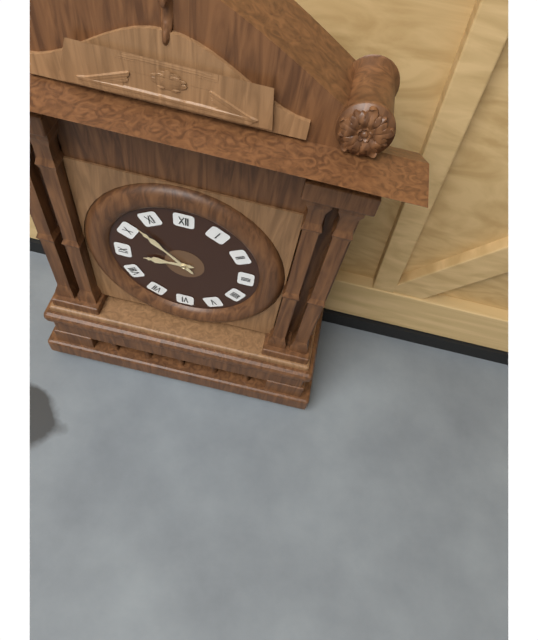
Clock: 8 h 52 min
